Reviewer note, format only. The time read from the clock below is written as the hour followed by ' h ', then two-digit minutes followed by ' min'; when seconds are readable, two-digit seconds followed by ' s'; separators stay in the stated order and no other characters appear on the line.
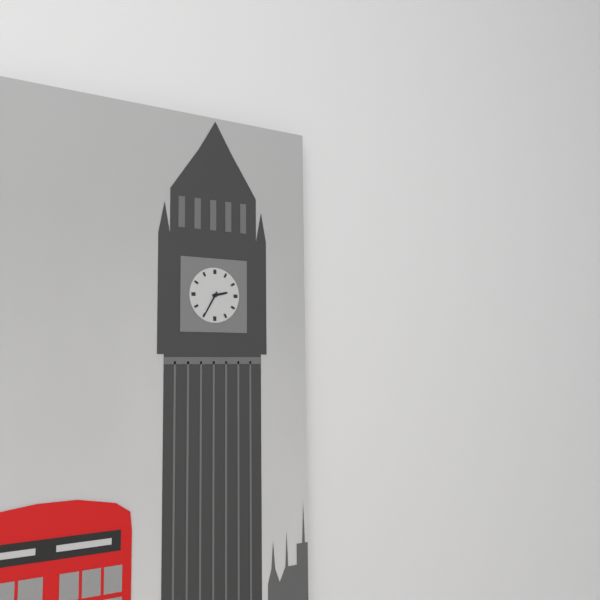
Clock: 2 h 35 min
